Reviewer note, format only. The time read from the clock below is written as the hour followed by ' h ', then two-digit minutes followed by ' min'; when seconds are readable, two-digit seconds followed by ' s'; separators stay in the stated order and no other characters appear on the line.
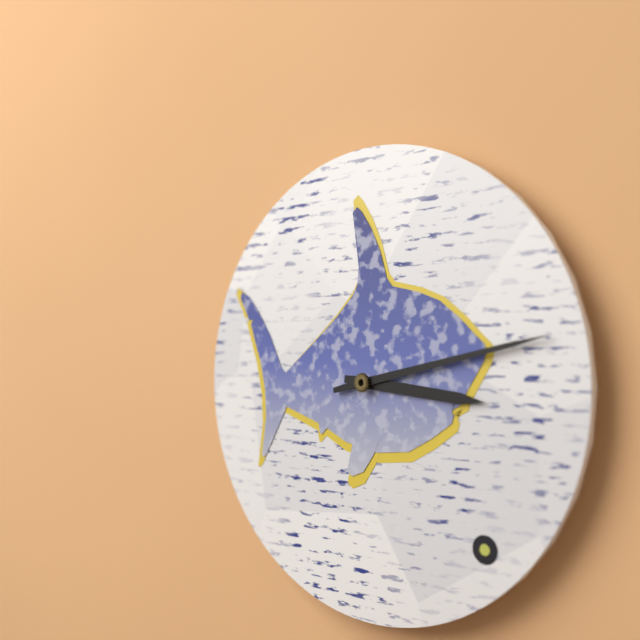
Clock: 3 h 13 min
